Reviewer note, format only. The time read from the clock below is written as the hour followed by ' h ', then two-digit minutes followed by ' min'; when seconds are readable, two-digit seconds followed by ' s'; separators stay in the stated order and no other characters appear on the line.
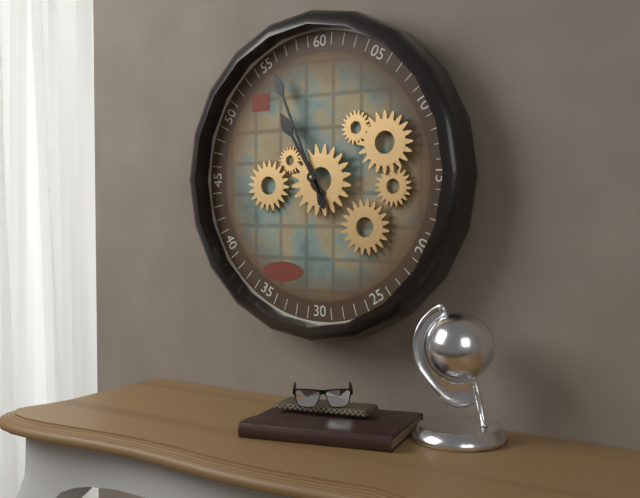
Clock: 10 h 56 min
